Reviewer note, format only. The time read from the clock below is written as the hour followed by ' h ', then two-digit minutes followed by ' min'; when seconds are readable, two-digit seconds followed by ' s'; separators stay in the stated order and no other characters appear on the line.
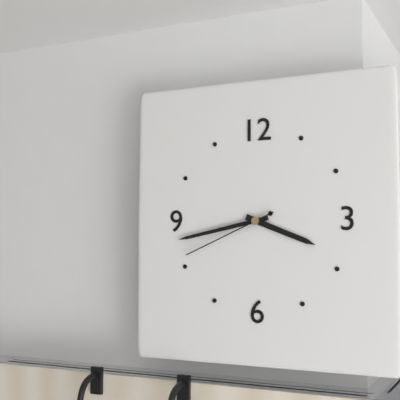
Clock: 3 h 43 min 41 s
